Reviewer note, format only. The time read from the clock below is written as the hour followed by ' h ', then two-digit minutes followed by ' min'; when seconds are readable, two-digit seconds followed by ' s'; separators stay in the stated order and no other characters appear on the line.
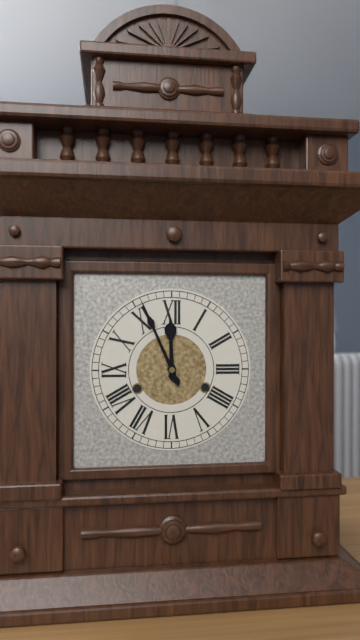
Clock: 11 h 56 min
